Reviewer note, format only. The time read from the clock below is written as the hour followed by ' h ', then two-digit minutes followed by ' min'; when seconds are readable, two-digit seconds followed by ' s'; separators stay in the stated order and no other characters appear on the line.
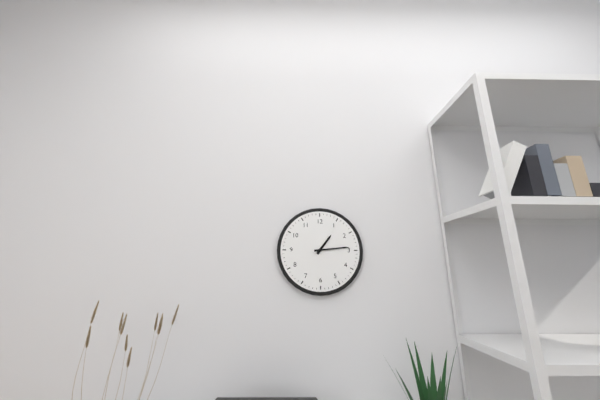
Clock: 1 h 14 min
